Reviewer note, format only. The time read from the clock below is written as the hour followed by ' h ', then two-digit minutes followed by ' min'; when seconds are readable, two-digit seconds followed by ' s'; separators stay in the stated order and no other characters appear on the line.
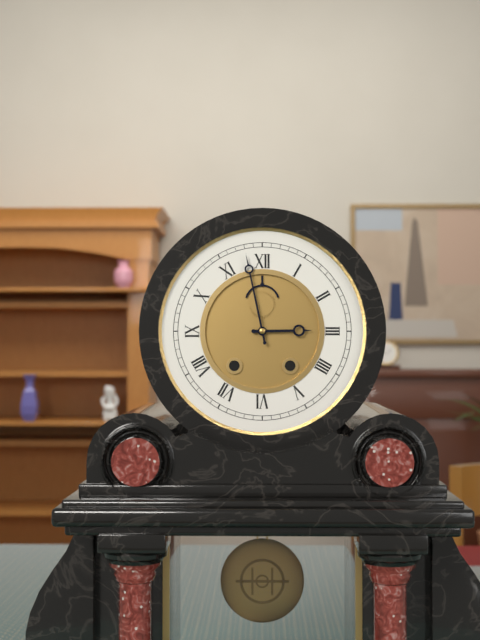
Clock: 2 h 58 min
